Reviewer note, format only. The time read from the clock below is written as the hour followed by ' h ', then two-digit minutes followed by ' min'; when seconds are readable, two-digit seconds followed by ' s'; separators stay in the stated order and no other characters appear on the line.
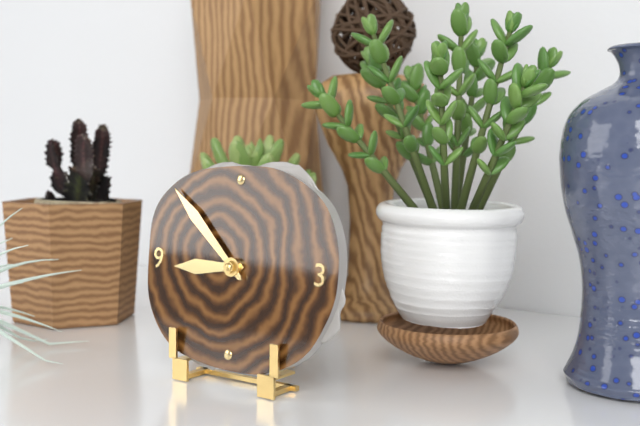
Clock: 8 h 52 min
